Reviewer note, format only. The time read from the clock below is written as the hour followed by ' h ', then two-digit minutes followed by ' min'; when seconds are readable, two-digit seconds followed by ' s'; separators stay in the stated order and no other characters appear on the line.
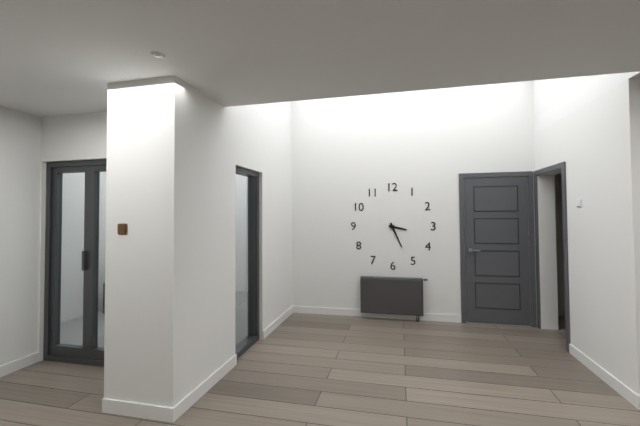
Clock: 3 h 26 min
